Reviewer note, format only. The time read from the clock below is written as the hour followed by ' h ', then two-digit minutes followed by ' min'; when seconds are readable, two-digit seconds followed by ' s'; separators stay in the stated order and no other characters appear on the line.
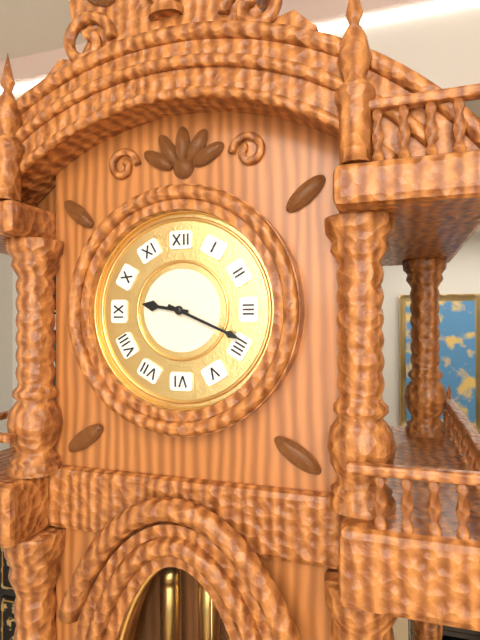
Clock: 9 h 19 min
